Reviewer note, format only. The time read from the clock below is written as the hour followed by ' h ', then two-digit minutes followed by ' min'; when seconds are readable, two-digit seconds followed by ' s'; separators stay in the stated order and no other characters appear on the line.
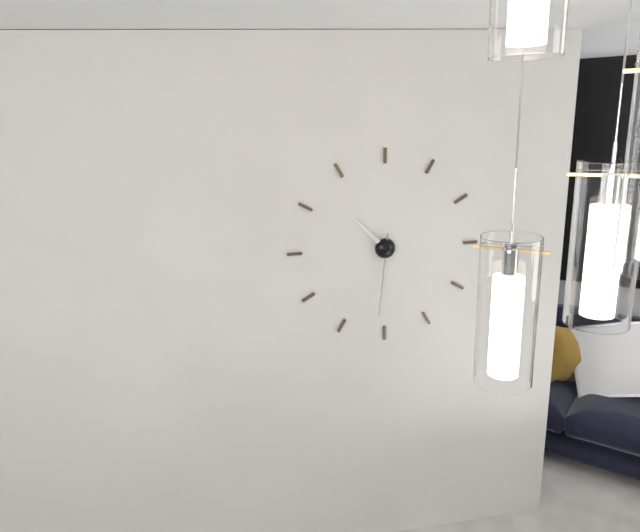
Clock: 10 h 31 min
